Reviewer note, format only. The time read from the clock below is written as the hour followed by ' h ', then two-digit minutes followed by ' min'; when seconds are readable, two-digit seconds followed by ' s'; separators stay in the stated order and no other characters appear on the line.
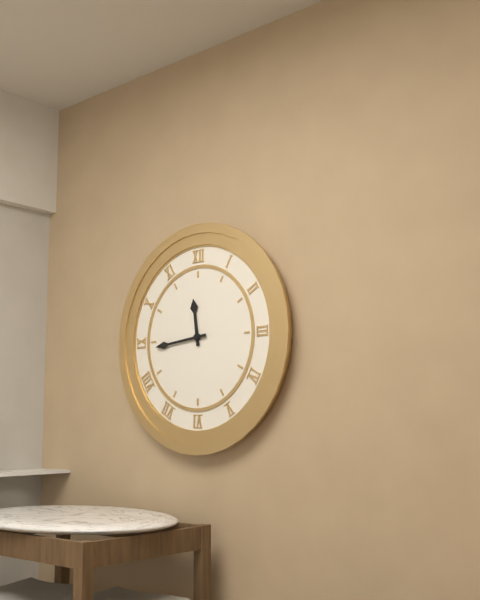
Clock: 11 h 44 min
